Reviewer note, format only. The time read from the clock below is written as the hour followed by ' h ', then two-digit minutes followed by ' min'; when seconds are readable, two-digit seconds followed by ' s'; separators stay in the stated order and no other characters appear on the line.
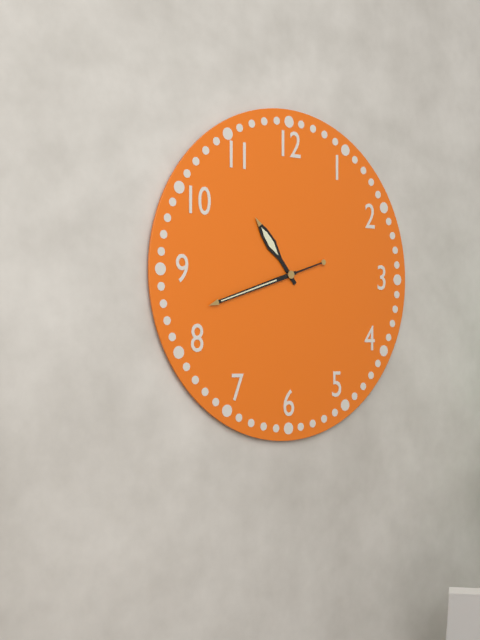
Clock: 10 h 42 min
